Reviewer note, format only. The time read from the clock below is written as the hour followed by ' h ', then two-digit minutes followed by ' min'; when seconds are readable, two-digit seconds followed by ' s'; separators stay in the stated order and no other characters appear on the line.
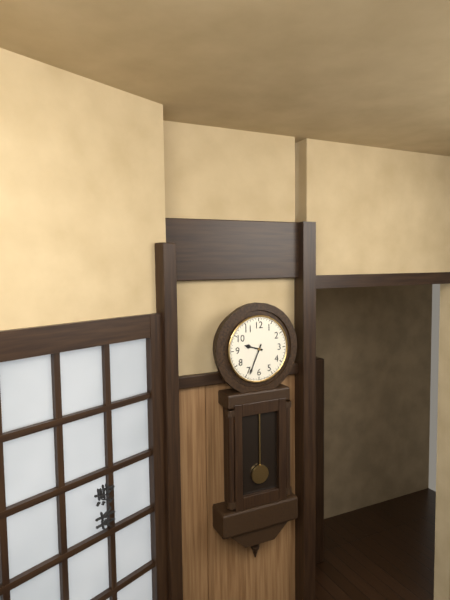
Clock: 9 h 34 min
